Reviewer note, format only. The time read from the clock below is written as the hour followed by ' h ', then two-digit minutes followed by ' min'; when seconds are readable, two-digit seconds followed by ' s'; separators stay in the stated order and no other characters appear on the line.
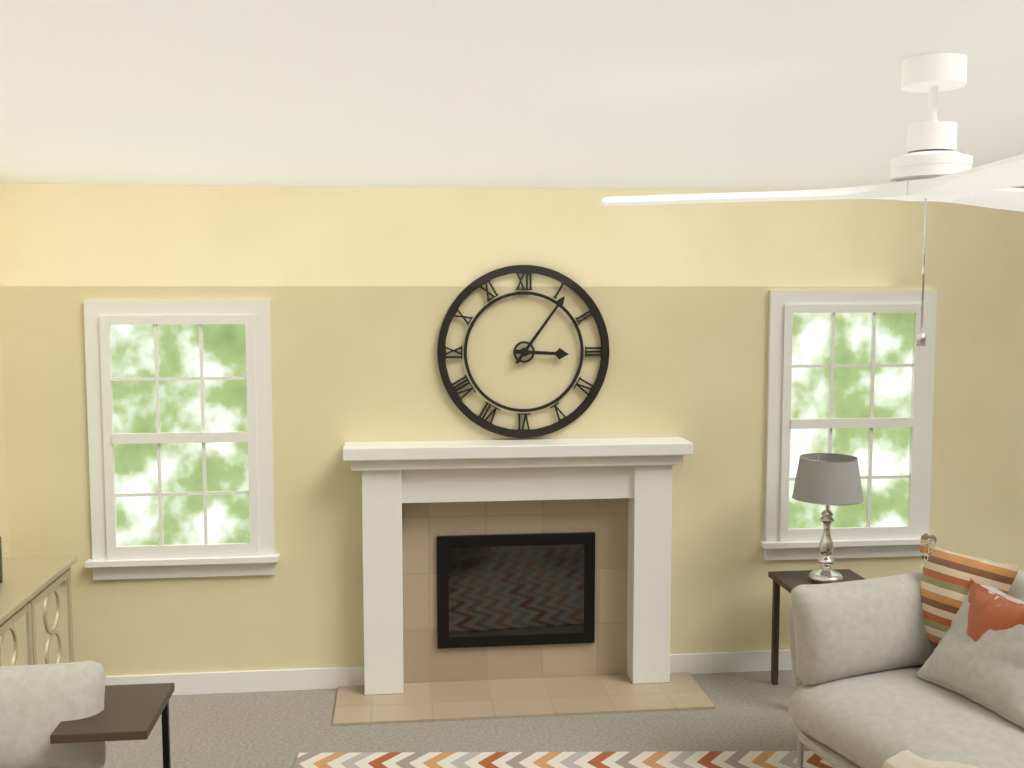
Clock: 3 h 06 min
